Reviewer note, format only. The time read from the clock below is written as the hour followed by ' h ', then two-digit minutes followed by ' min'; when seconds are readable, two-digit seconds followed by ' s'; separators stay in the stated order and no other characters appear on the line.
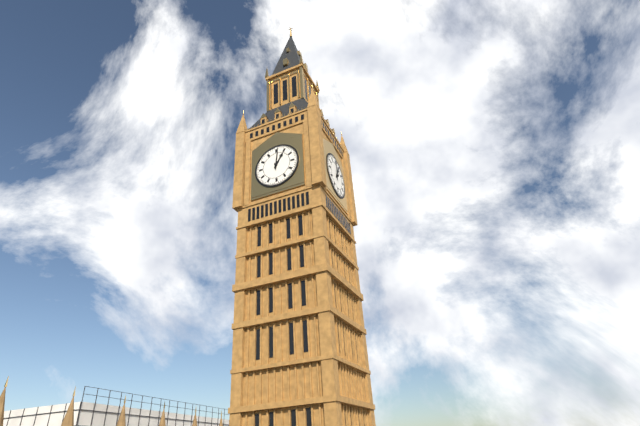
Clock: 1 h 01 min
